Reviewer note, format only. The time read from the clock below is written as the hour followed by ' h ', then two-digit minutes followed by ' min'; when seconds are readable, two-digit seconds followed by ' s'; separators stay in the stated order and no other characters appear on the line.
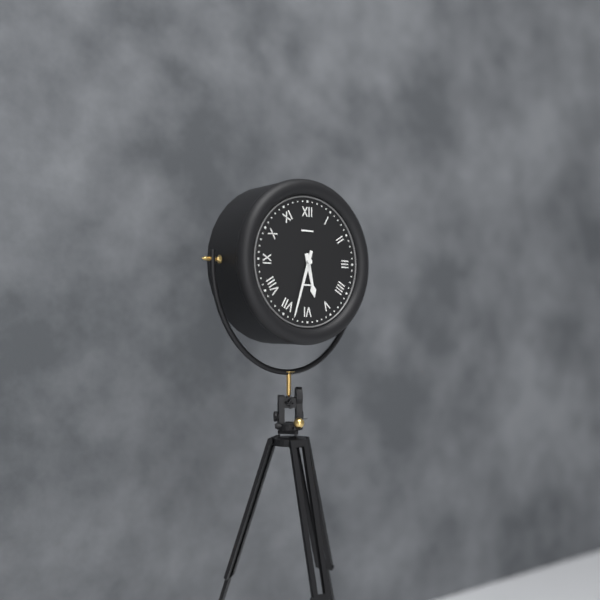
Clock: 5 h 33 min
